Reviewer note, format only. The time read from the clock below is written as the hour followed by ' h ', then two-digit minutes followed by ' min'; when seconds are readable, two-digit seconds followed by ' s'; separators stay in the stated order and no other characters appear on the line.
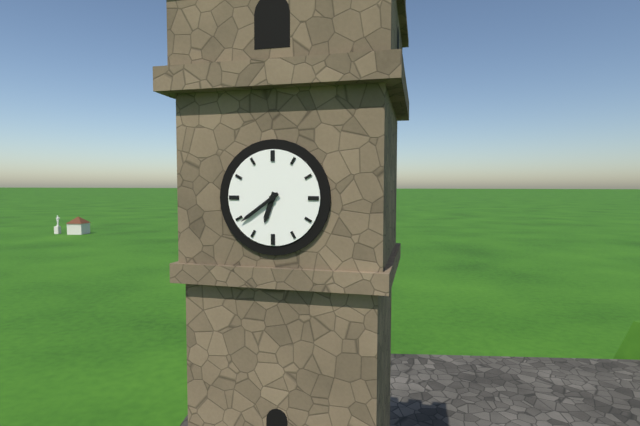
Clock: 6 h 39 min
